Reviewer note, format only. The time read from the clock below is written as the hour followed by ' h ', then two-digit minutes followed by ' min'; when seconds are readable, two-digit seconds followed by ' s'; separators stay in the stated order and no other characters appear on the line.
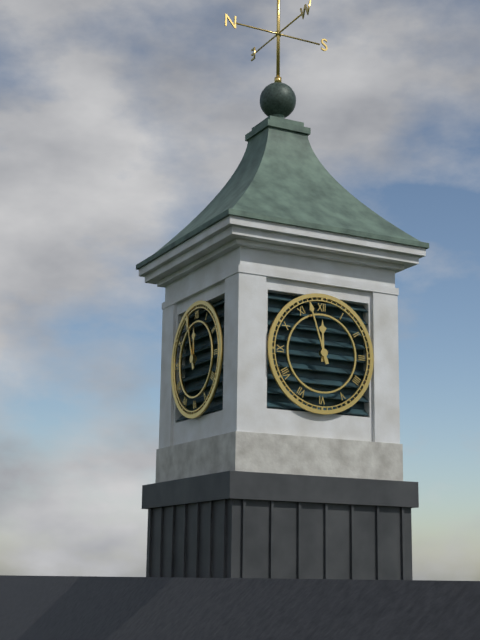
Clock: 11 h 57 min
